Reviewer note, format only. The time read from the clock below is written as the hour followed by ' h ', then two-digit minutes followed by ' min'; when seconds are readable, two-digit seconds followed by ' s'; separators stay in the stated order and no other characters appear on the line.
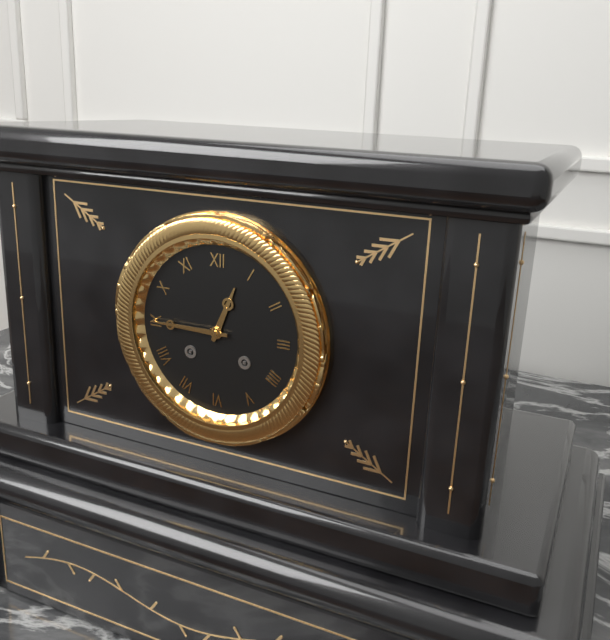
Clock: 12 h 45 min
